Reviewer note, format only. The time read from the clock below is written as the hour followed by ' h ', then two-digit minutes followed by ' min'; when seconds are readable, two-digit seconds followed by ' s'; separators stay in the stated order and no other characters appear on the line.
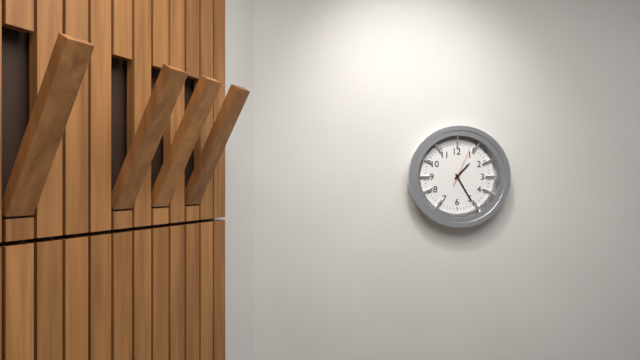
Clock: 1 h 25 min
